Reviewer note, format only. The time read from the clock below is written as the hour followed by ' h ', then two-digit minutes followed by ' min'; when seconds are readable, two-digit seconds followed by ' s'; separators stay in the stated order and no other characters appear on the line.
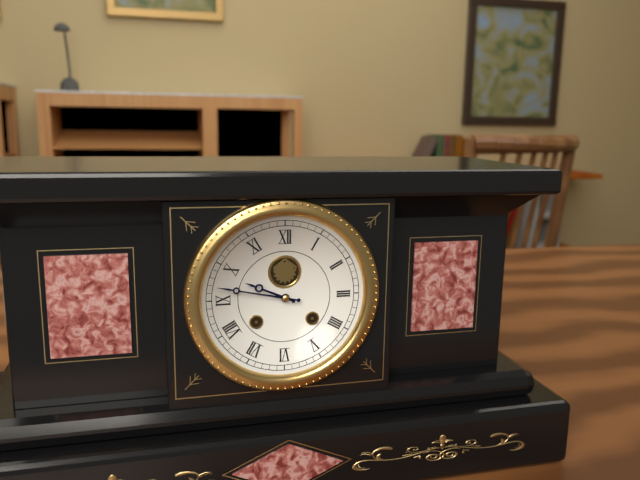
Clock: 9 h 47 min
